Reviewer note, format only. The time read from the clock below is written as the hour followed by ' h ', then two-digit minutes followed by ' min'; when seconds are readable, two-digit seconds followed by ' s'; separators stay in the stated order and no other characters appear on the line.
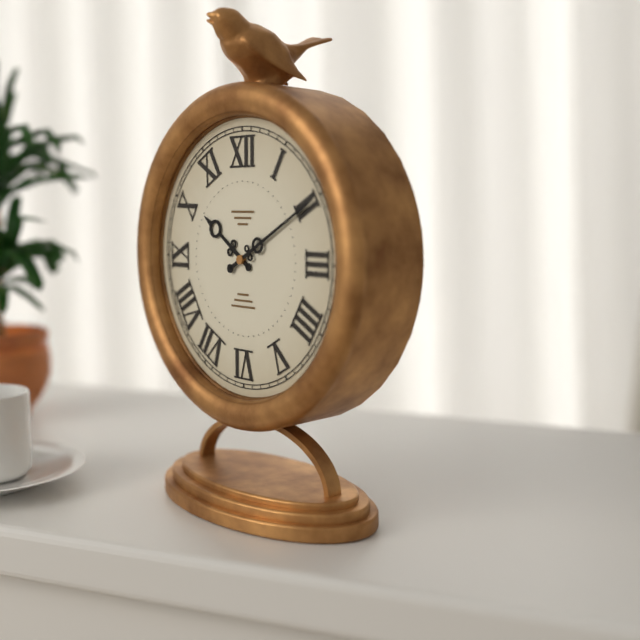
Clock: 10 h 10 min
